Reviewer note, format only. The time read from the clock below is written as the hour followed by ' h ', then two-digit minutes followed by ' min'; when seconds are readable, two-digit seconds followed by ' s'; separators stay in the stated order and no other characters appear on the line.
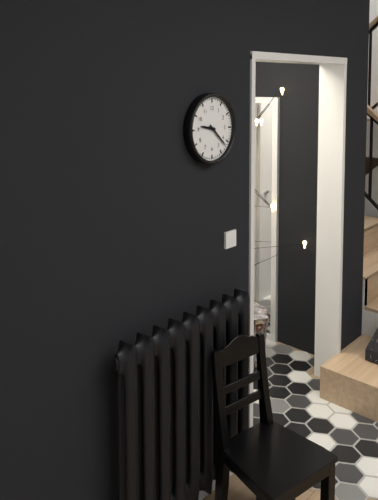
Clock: 9 h 22 min
